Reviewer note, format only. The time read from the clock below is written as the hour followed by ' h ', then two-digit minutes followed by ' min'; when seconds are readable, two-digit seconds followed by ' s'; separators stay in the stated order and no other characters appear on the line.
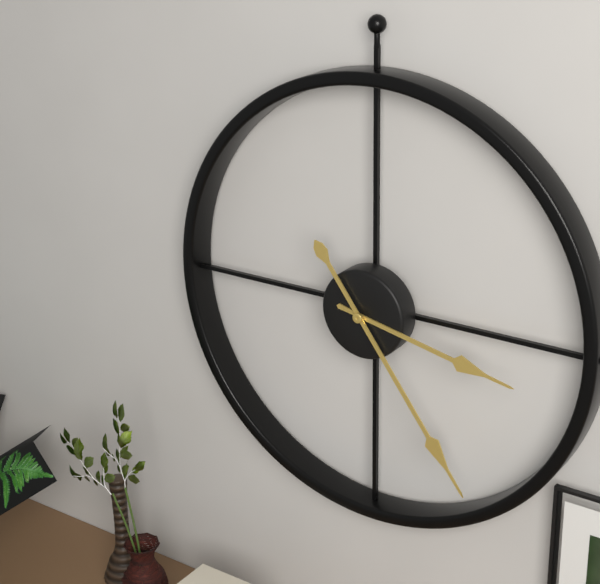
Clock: 3 h 24 min
